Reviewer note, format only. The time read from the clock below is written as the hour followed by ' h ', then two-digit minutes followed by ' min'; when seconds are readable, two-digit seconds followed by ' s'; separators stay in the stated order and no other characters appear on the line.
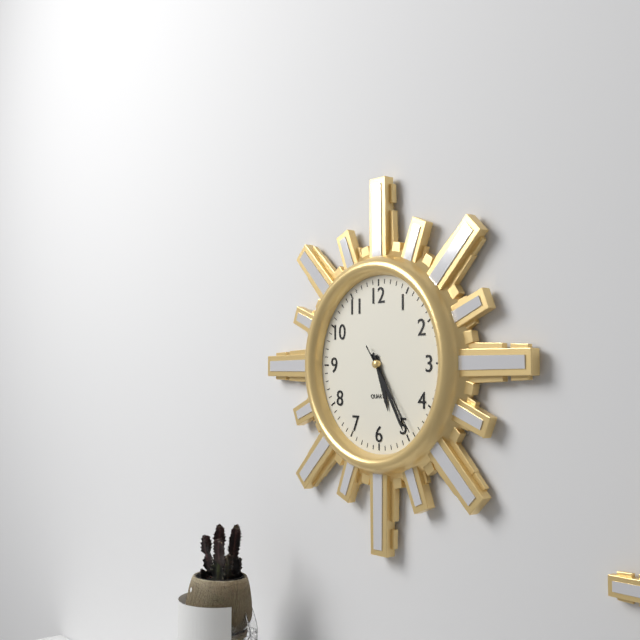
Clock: 5 h 25 min 24 s
